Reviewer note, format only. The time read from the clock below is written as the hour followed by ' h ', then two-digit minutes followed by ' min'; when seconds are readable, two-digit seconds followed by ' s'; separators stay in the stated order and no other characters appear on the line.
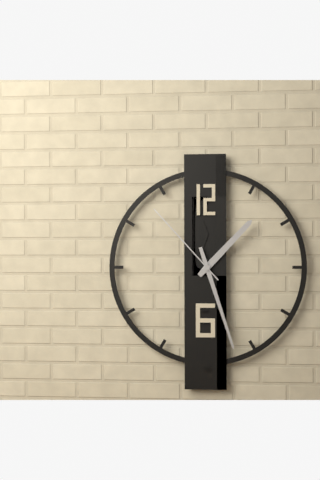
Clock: 1 h 27 min 53 s
